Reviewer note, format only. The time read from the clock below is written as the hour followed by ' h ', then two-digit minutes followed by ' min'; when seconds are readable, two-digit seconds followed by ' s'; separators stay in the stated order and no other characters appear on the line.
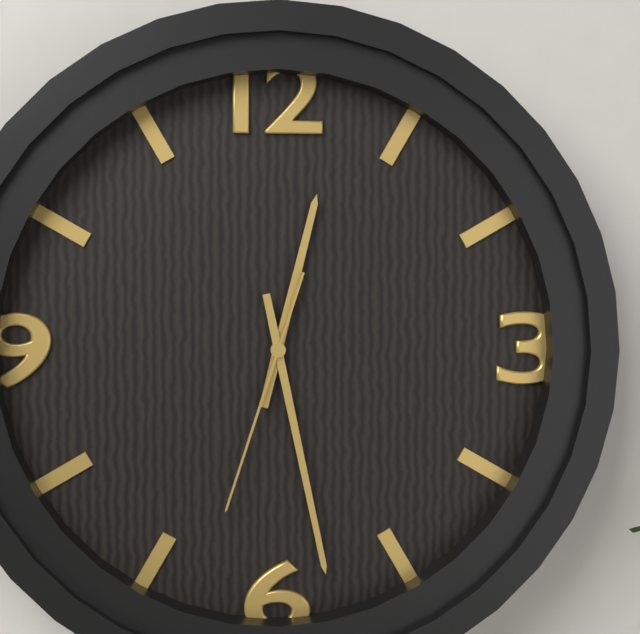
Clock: 12 h 28 min 33 s
